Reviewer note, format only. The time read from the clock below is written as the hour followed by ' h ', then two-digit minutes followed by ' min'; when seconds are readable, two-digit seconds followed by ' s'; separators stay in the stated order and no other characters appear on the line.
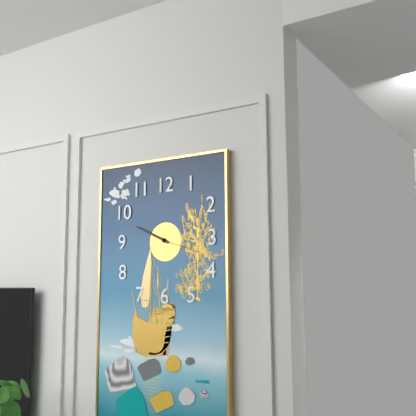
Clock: 9 h 49 min
